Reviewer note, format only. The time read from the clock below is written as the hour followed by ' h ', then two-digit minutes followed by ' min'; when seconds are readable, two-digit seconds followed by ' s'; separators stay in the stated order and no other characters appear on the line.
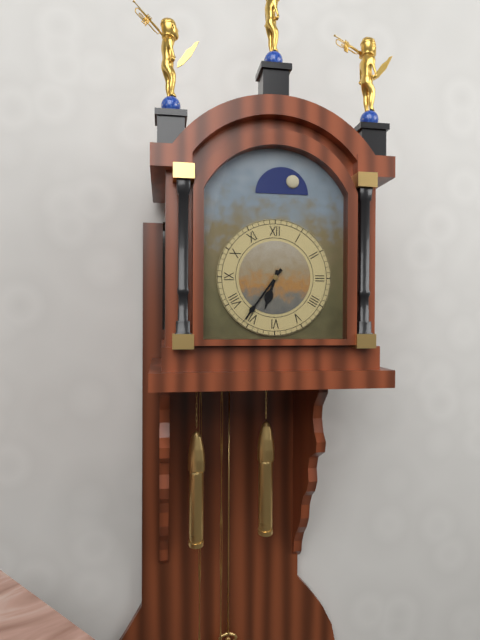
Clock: 6 h 36 min
